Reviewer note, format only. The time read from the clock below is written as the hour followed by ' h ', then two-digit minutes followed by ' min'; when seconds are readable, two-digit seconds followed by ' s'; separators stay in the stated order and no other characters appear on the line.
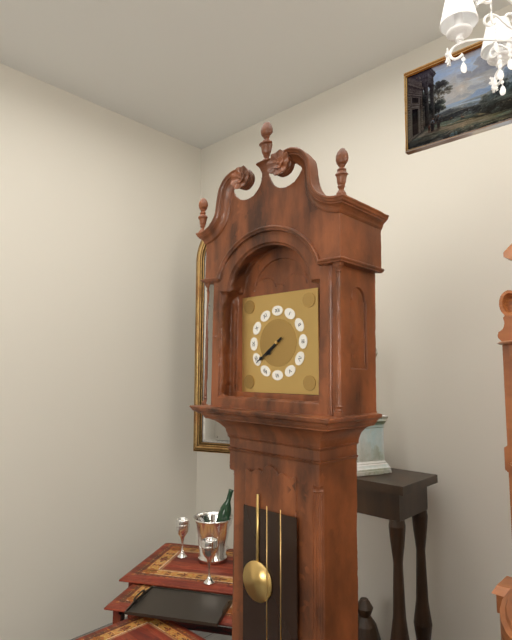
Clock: 7 h 39 min
